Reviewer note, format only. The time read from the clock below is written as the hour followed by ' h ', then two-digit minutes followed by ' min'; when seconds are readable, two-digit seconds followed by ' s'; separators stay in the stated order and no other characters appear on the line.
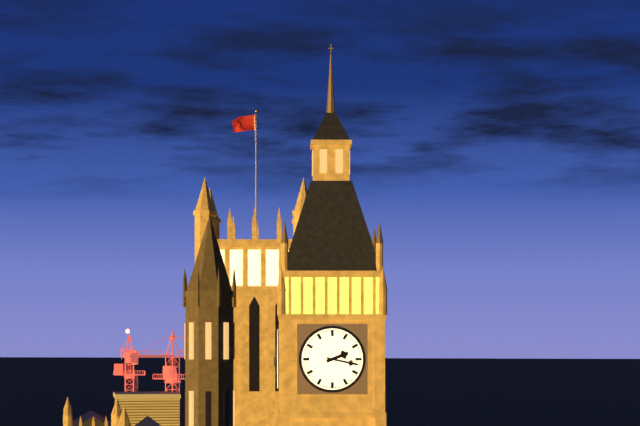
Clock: 2 h 17 min
